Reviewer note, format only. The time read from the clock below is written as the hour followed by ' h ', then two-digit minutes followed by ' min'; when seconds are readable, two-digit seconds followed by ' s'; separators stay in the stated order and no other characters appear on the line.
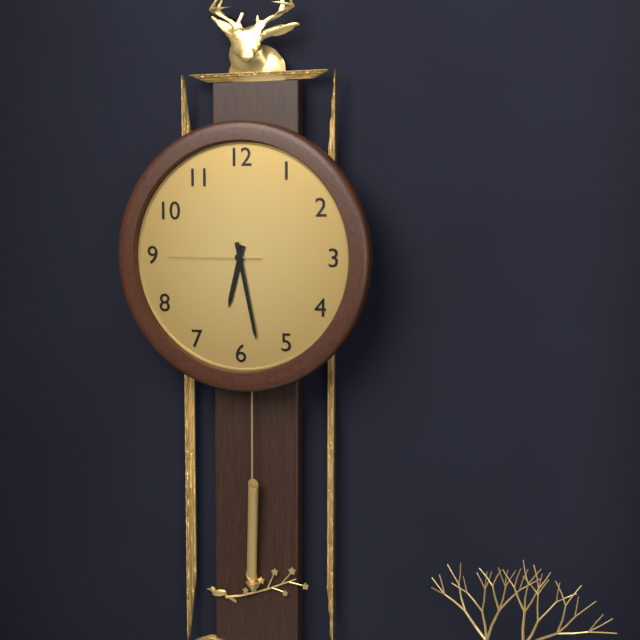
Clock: 6 h 28 min 45 s
